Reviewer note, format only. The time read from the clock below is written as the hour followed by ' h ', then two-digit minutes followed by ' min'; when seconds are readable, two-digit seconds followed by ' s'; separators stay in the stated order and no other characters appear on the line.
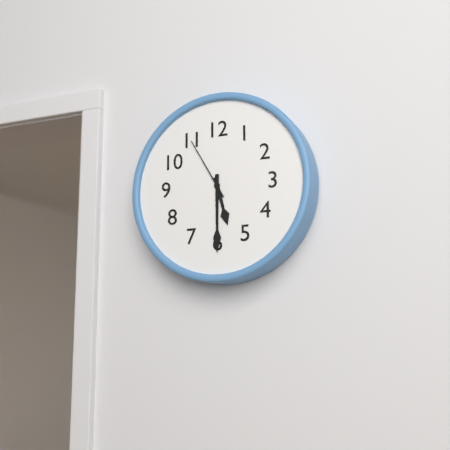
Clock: 5 h 30 min 55 s
